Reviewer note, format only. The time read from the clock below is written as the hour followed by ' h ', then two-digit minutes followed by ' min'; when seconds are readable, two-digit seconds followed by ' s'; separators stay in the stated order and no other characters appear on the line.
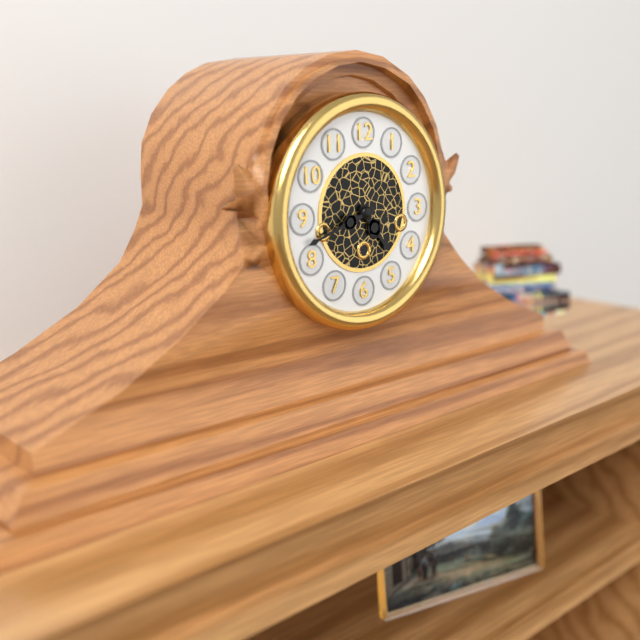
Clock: 4 h 42 min
